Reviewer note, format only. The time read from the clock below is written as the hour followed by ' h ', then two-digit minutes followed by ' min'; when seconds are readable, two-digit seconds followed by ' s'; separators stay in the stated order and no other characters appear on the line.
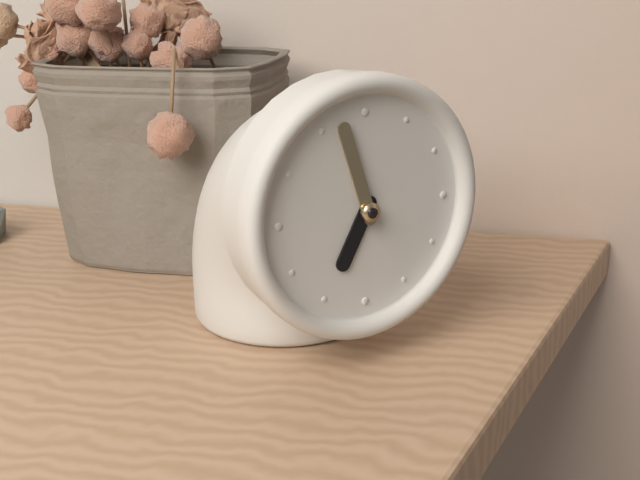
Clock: 6 h 57 min
